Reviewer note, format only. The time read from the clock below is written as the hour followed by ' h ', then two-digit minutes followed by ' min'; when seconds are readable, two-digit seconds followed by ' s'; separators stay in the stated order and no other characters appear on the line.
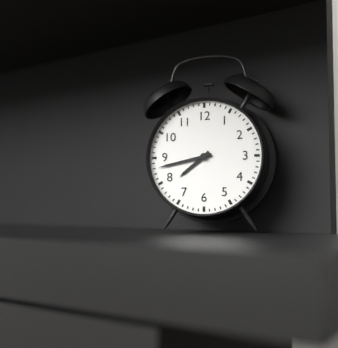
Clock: 7 h 43 min
